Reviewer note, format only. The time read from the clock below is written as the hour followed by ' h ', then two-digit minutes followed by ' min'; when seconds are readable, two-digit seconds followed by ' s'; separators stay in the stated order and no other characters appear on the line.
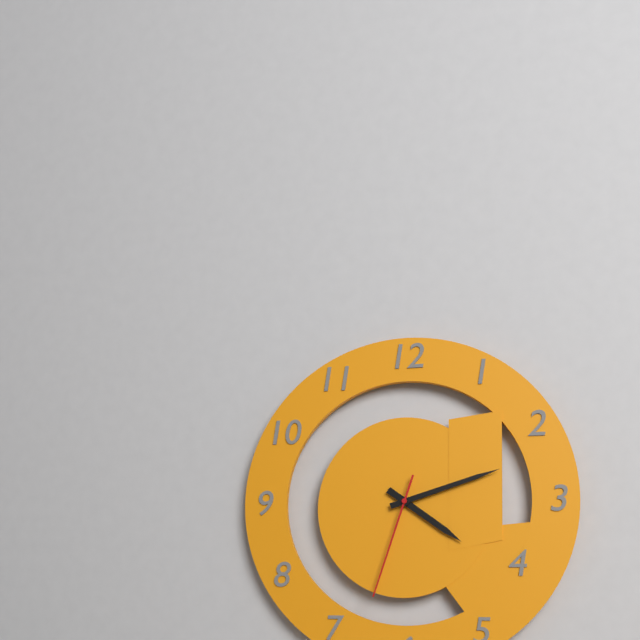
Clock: 4 h 12 min 33 s
